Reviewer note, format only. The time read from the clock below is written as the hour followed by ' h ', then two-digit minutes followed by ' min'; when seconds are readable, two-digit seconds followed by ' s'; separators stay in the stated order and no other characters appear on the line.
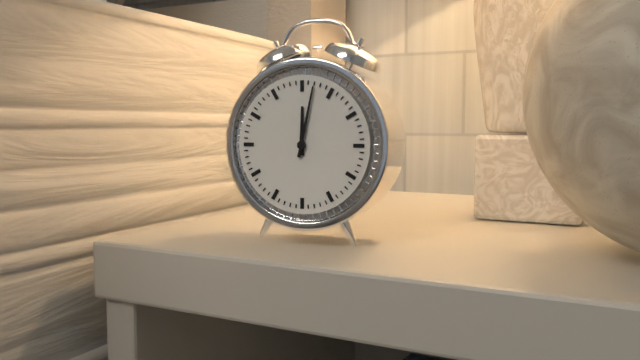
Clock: 12 h 02 min
